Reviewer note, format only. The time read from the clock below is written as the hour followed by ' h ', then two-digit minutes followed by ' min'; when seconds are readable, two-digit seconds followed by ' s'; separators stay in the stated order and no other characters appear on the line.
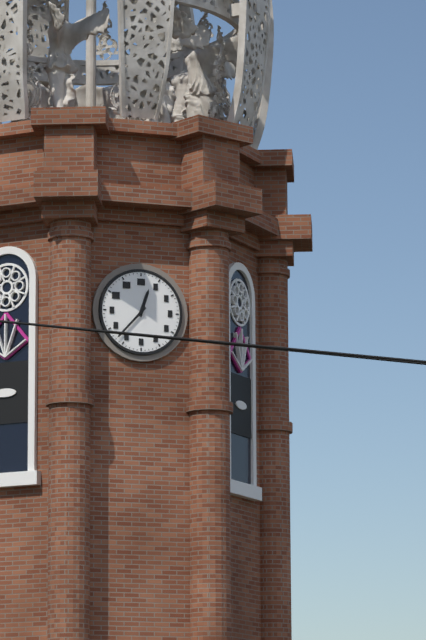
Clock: 12 h 37 min
